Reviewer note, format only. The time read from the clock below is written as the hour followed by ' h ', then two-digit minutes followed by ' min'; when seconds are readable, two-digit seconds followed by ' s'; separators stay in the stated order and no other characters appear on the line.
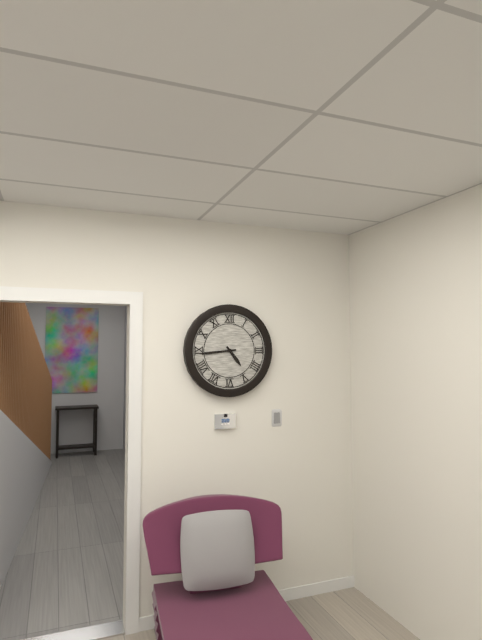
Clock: 4 h 44 min
